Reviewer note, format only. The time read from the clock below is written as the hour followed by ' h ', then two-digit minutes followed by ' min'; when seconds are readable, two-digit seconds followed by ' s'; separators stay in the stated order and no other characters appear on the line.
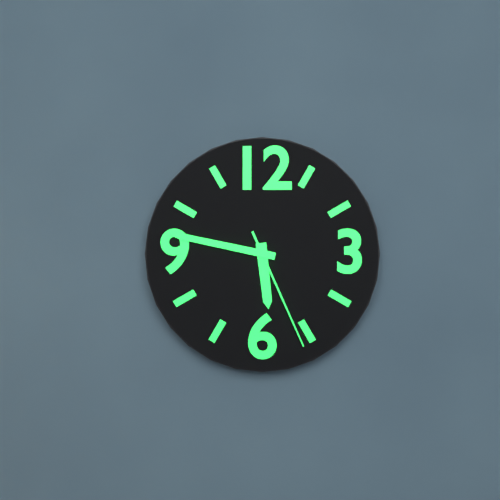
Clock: 5 h 47 min 26 s
